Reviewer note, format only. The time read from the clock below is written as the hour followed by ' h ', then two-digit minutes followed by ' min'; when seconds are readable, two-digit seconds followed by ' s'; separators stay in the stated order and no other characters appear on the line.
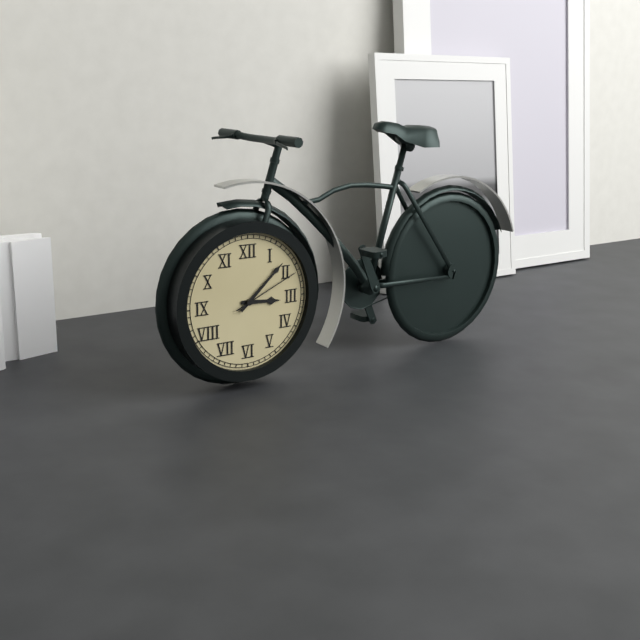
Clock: 3 h 08 min 11 s
